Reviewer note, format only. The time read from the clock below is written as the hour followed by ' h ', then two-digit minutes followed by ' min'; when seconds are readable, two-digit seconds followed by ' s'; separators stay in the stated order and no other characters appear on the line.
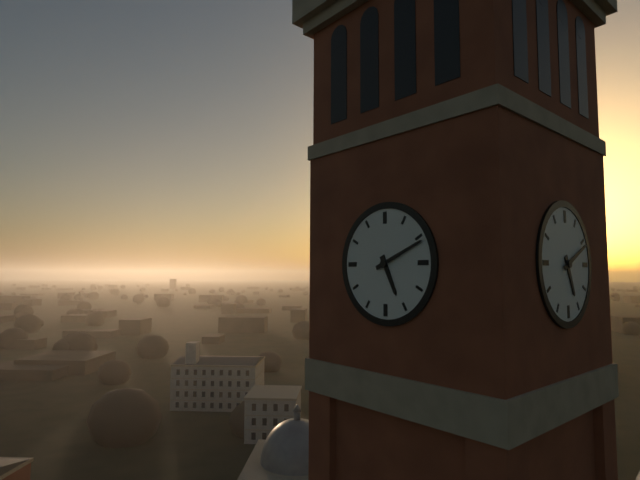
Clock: 5 h 11 min
